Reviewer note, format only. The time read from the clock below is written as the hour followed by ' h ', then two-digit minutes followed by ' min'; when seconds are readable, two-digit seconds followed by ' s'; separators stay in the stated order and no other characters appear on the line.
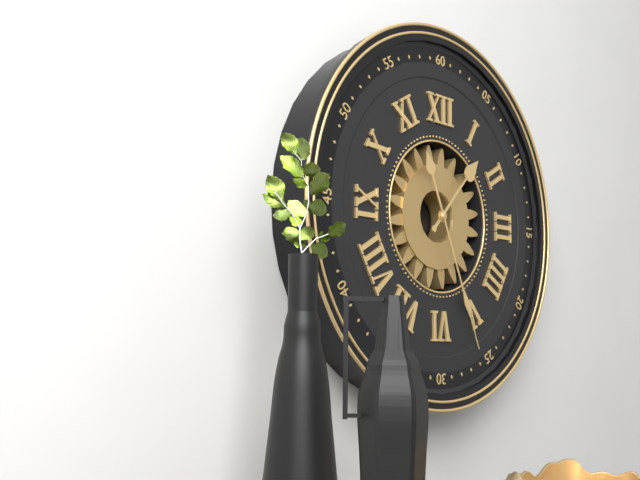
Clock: 1 h 26 min
